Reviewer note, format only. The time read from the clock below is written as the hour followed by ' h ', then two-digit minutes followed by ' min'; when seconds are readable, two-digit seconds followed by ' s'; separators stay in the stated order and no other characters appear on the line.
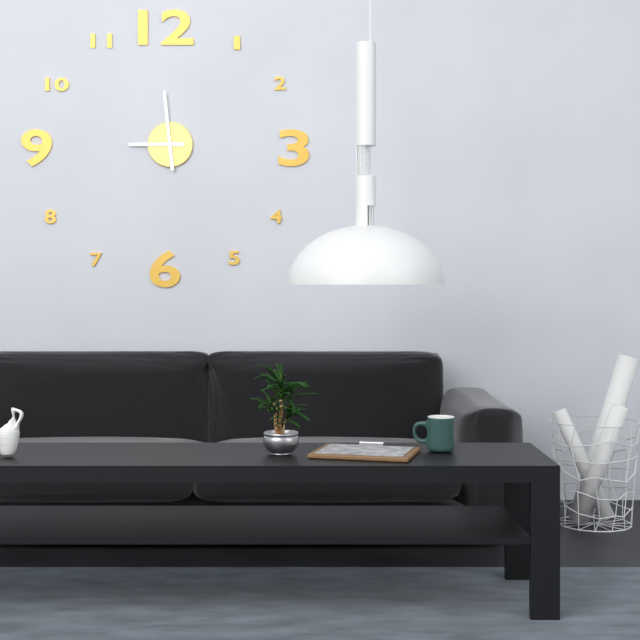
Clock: 8 h 59 min
